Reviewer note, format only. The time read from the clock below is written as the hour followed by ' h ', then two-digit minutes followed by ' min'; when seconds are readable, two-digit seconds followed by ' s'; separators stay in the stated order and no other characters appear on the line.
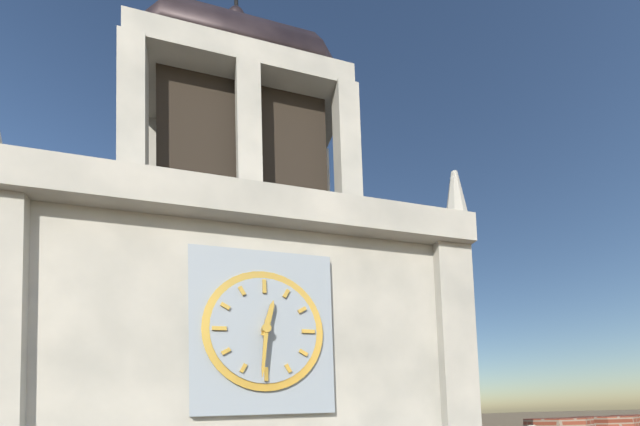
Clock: 12 h 31 min
